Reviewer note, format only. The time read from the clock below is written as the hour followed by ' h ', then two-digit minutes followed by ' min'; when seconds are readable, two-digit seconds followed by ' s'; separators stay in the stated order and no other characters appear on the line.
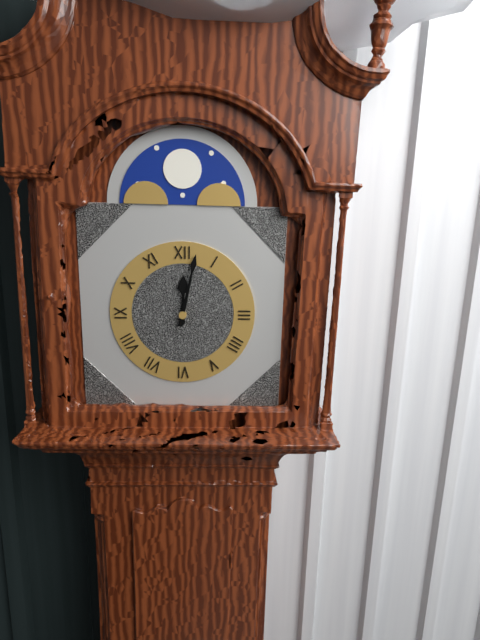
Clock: 12 h 02 min
